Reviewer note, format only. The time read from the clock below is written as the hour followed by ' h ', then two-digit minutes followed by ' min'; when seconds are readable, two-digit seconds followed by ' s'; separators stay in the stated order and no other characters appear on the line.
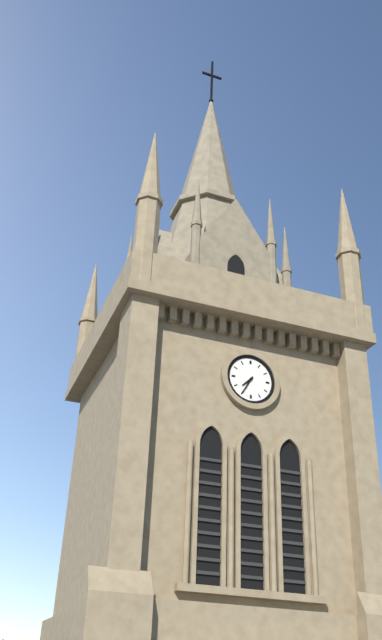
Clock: 7 h 35 min
